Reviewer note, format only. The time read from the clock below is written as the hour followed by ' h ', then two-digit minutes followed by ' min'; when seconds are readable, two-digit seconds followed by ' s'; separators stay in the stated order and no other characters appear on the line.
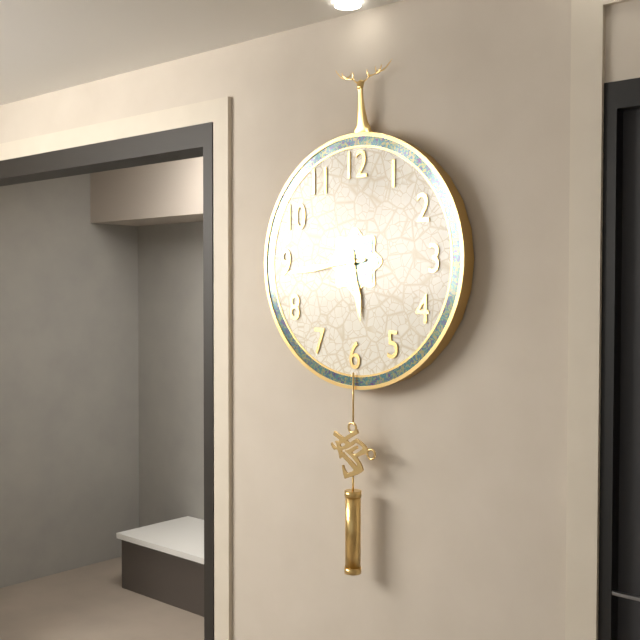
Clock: 5 h 44 min
